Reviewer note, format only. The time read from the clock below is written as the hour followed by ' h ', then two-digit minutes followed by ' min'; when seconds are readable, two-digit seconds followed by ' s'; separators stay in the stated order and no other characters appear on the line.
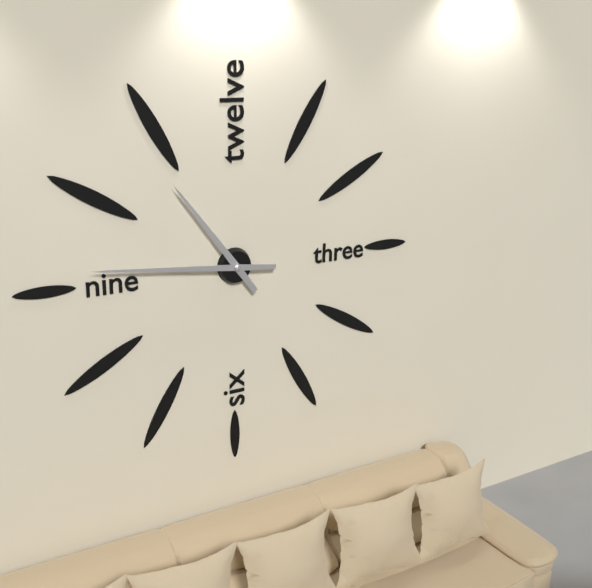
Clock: 10 h 46 min
